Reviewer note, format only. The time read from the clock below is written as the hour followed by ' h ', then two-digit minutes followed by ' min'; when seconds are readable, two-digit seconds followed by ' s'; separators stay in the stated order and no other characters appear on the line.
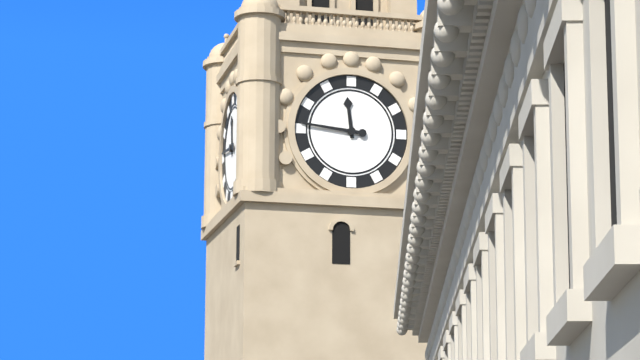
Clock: 11 h 46 min
